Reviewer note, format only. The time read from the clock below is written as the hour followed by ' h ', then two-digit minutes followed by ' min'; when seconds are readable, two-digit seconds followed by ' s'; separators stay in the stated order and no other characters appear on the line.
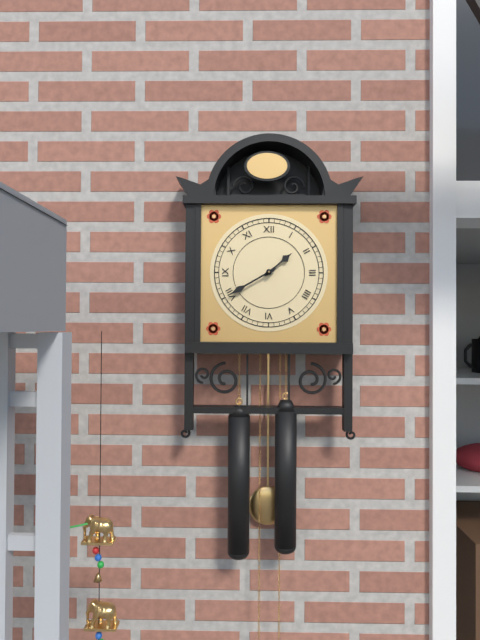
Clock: 1 h 40 min
